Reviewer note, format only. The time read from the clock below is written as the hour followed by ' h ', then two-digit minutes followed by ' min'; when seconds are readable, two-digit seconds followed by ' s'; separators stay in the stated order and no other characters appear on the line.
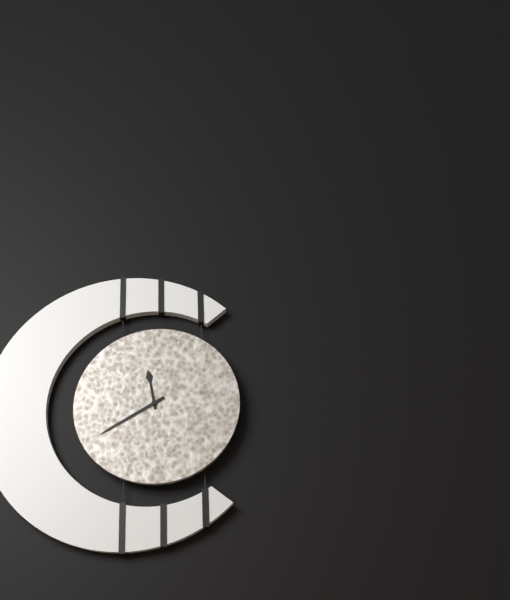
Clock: 11 h 40 min
